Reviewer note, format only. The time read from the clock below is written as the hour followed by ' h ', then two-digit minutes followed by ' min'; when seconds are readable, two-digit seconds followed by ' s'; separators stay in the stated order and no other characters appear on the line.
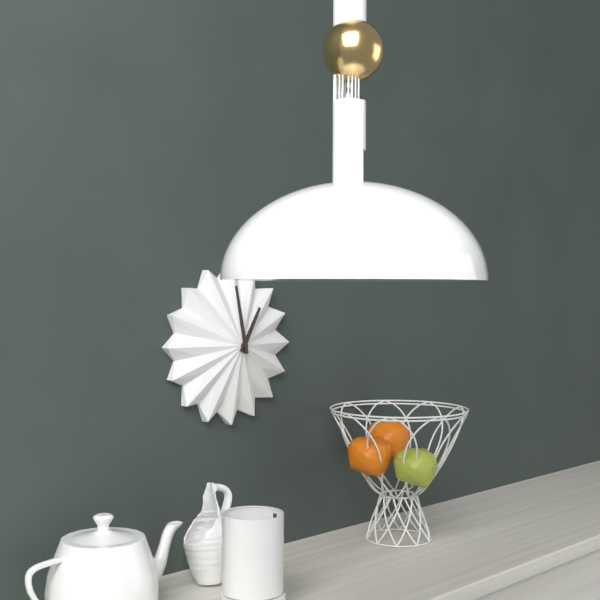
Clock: 12 h 58 min
